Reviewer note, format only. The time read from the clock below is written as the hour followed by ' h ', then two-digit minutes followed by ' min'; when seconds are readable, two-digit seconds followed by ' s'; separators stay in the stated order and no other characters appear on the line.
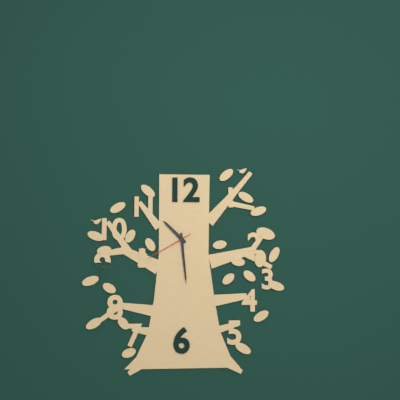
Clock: 10 h 29 min 40 s
